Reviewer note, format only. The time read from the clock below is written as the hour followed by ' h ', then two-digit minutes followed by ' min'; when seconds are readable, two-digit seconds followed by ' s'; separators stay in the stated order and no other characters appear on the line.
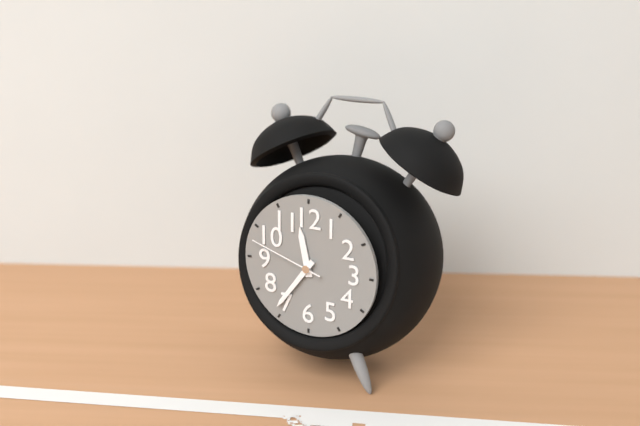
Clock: 11 h 36 min 48 s
